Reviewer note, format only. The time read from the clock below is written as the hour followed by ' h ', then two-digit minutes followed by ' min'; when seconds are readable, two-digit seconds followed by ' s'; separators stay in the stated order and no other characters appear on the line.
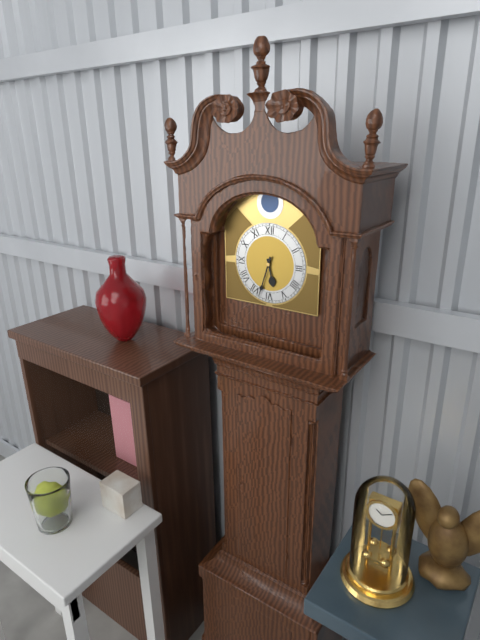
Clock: 5 h 33 min
